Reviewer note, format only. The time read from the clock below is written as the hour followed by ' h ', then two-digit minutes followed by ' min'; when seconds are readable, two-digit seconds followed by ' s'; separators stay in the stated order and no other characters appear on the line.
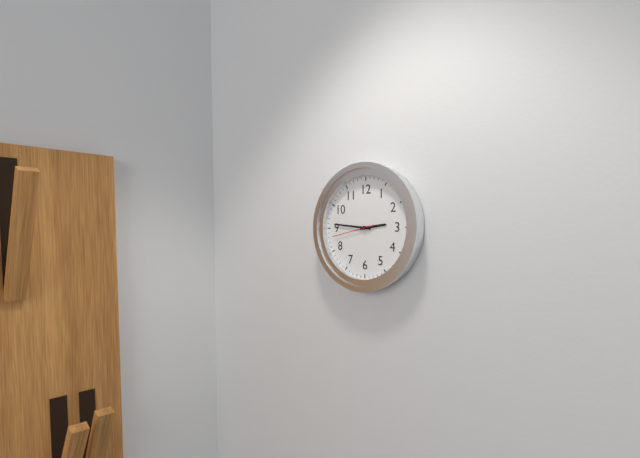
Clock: 2 h 46 min
